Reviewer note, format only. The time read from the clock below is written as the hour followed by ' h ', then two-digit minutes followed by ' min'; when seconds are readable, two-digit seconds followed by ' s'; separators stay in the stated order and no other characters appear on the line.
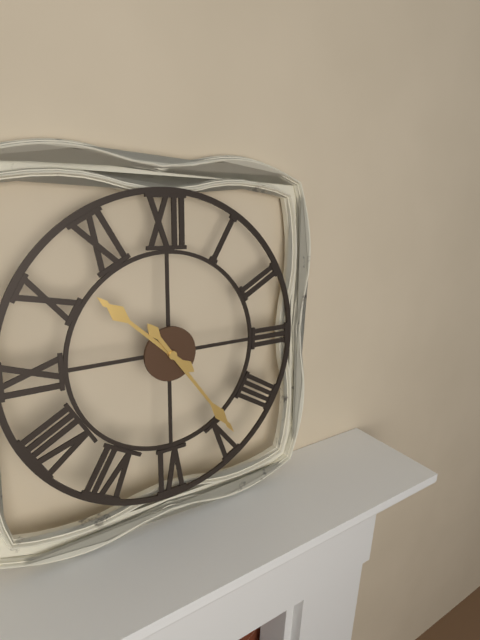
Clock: 10 h 24 min
